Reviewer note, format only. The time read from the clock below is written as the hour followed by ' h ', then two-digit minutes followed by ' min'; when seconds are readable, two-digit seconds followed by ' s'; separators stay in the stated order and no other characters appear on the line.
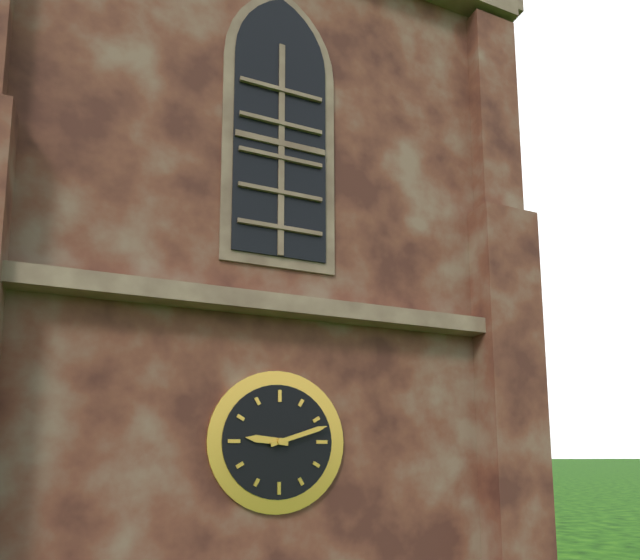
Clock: 9 h 12 min
